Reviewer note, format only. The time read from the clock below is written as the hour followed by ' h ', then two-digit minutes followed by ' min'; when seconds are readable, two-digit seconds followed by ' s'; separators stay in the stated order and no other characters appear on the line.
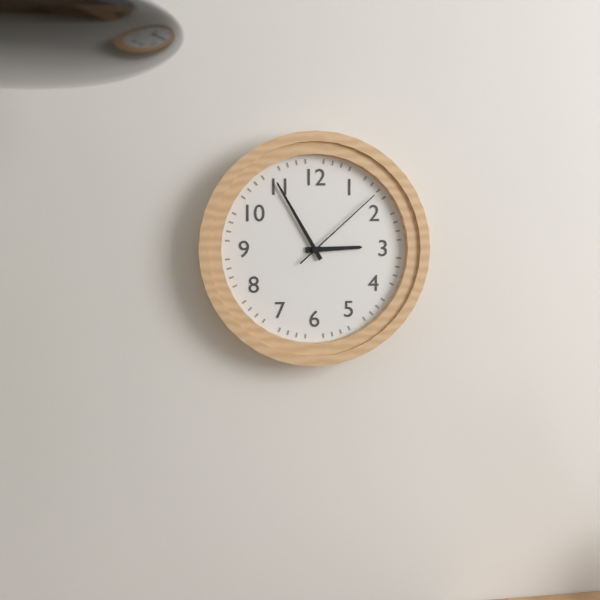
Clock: 2 h 55 min 08 s
